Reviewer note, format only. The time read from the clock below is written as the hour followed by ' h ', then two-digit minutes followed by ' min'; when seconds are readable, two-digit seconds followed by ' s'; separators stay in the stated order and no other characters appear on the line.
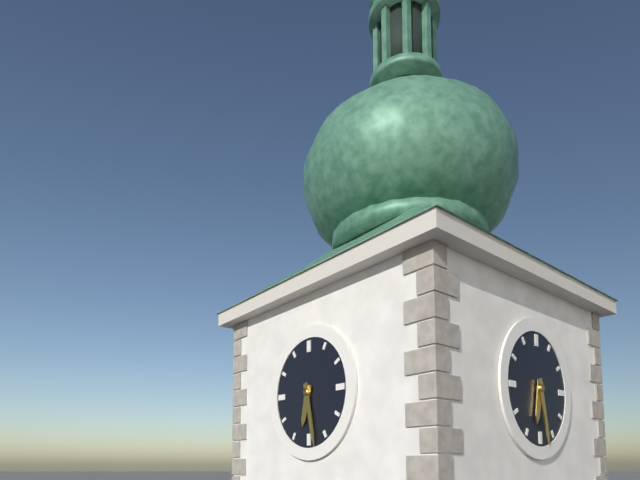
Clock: 6 h 28 min
